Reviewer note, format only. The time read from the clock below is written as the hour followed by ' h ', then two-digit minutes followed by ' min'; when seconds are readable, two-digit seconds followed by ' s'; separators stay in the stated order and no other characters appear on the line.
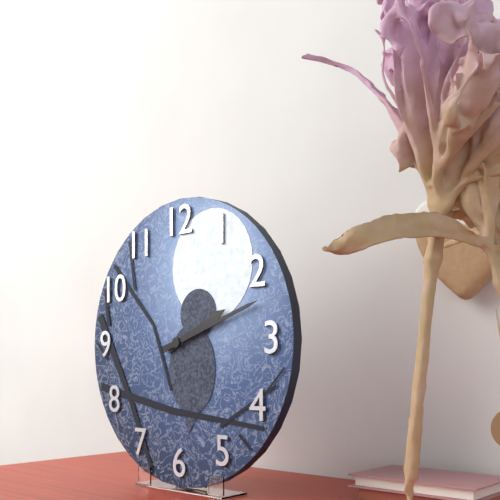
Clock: 2 h 12 min
